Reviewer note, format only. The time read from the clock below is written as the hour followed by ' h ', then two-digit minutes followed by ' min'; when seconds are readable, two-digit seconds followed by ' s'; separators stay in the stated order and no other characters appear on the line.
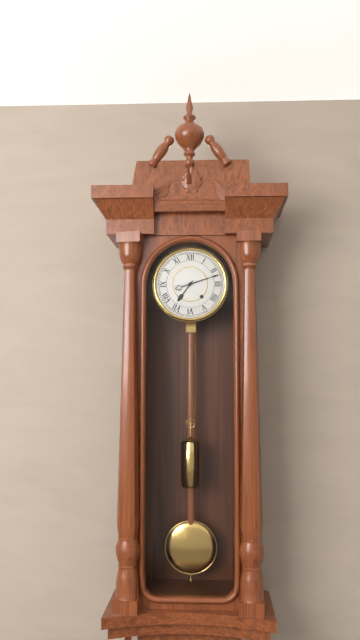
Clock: 7 h 12 min
